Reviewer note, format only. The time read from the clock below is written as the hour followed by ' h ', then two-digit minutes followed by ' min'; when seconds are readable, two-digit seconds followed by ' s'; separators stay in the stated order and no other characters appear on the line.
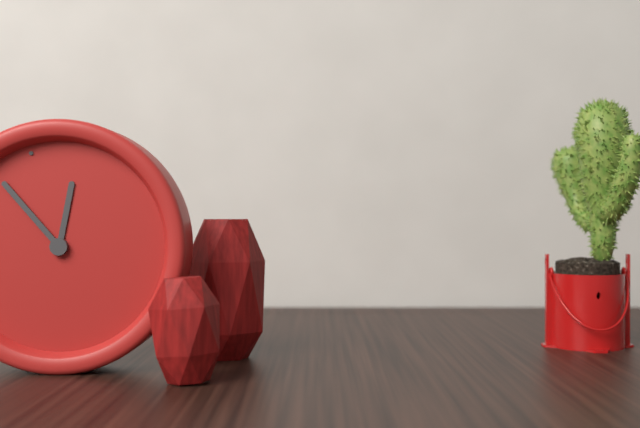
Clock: 12 h 56 min
